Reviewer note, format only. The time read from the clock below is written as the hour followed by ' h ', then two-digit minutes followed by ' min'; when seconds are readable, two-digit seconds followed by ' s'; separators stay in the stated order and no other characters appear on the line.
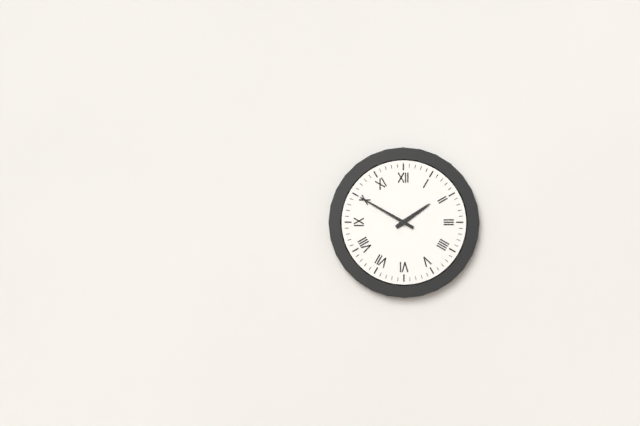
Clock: 1 h 50 min
